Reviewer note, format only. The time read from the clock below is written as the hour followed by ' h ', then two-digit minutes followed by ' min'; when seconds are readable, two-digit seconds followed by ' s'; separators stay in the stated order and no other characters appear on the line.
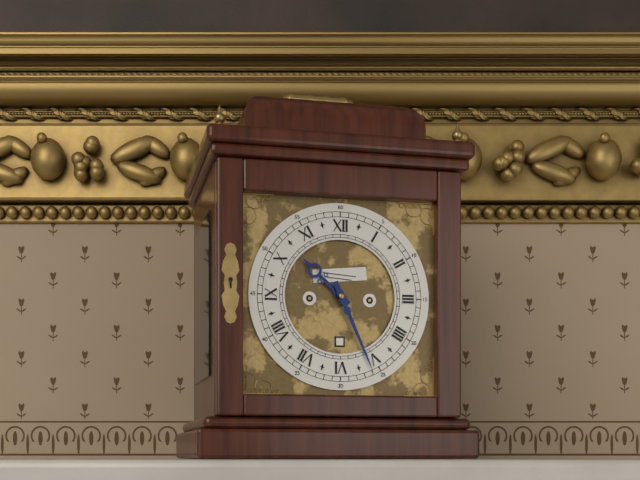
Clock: 10 h 26 min
